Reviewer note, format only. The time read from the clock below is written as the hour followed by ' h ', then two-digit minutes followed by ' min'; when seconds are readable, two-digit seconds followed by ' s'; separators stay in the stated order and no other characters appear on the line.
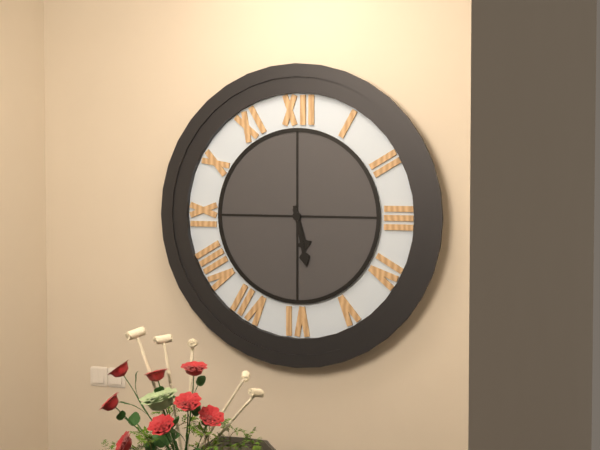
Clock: 5 h 28 min
